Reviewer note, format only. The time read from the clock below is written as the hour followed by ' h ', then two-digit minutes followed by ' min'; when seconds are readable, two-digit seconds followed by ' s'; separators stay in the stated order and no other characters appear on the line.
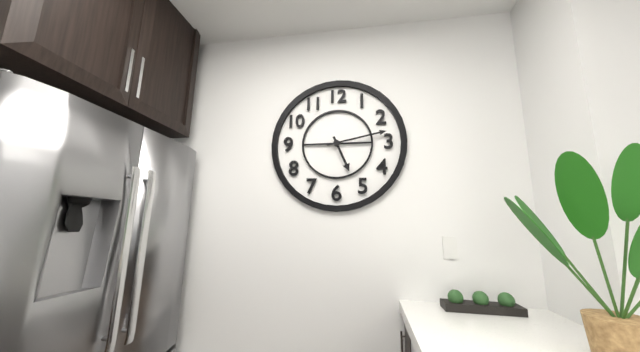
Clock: 5 h 13 min
